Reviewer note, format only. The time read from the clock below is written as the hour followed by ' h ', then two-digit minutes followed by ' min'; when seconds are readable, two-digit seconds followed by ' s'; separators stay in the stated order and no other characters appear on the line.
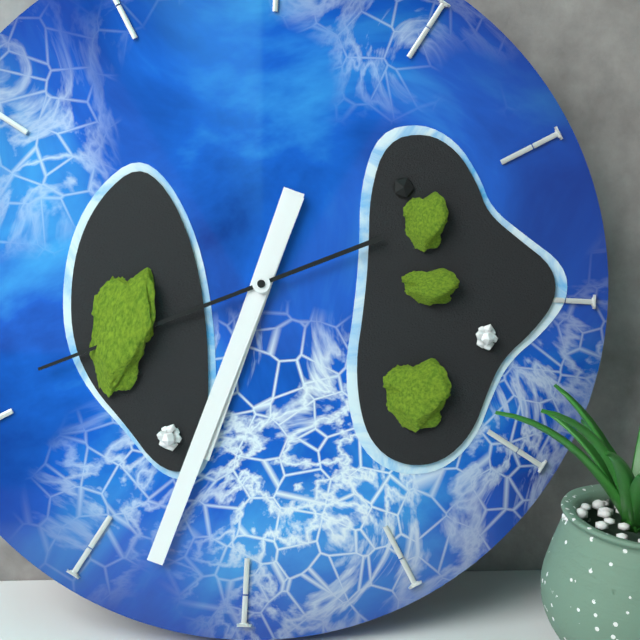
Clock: 6 h 33 min 41 s
